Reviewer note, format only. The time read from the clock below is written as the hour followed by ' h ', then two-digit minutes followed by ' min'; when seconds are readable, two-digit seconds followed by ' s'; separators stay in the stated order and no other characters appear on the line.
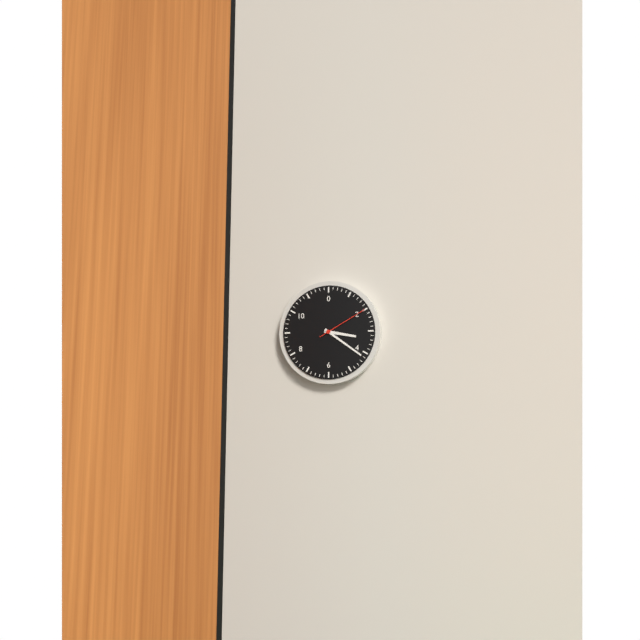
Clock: 3 h 21 min 10 s
